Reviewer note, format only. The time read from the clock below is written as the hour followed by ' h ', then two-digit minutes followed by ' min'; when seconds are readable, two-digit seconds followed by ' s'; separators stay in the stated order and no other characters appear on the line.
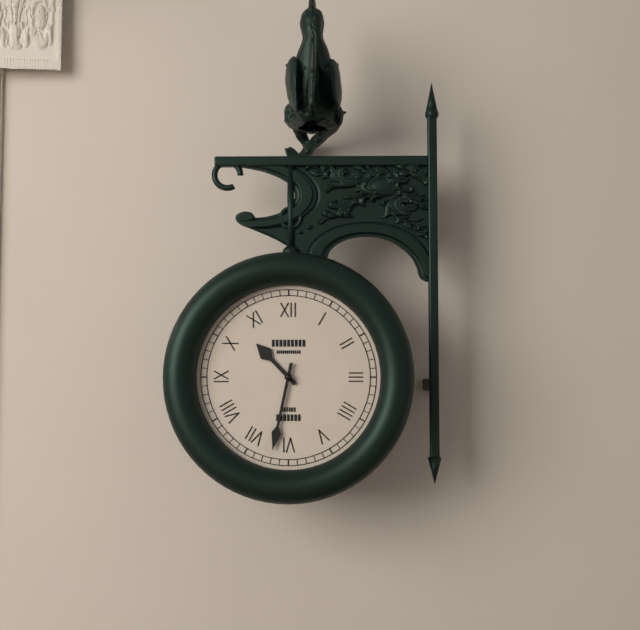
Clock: 10 h 32 min
